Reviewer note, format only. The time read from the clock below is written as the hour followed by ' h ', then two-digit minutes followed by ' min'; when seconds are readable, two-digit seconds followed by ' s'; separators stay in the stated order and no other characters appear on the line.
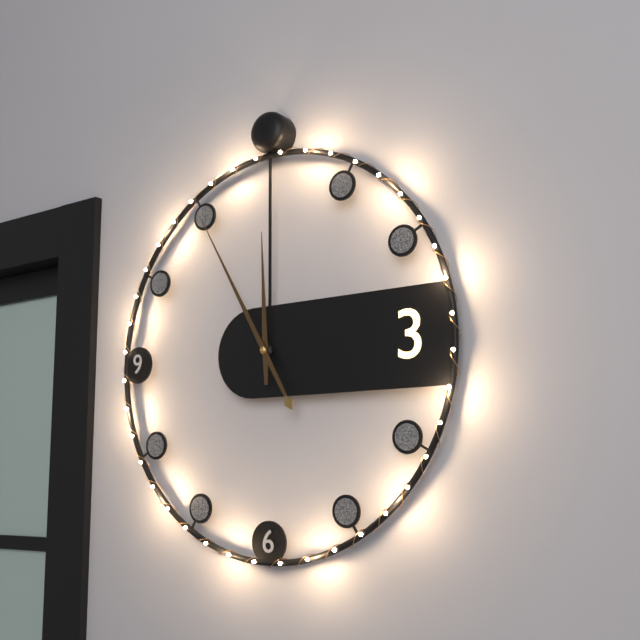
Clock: 11 h 55 min
